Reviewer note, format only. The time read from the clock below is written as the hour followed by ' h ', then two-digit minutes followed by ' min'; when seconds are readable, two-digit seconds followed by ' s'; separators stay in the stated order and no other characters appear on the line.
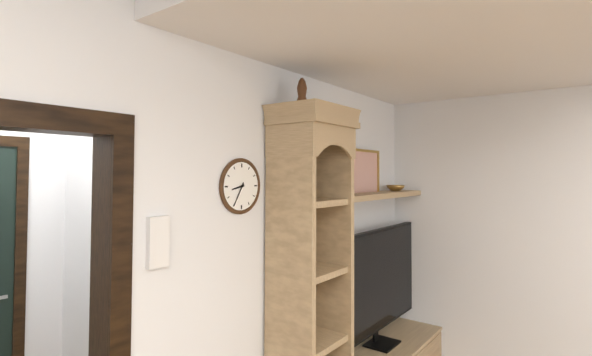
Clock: 8 h 35 min
